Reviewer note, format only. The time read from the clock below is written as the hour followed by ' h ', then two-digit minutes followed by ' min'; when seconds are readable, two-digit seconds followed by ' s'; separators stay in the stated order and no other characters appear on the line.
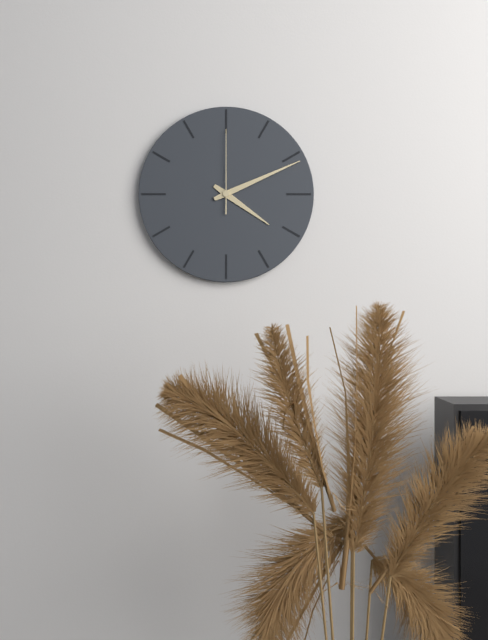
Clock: 4 h 11 min 00 s
